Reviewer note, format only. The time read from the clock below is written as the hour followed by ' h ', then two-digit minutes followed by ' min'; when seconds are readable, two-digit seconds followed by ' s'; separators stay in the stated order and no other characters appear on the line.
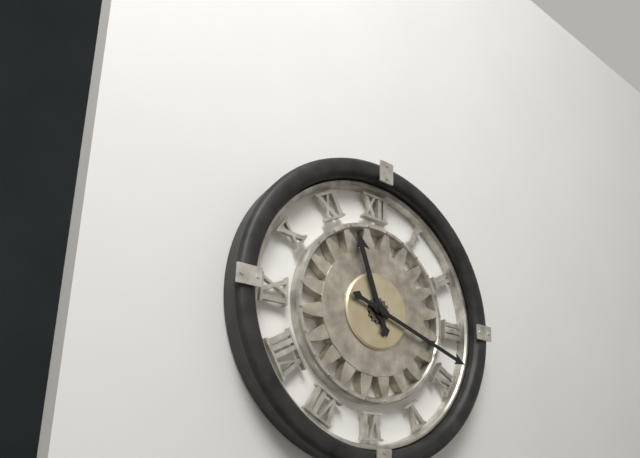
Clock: 11 h 18 min
